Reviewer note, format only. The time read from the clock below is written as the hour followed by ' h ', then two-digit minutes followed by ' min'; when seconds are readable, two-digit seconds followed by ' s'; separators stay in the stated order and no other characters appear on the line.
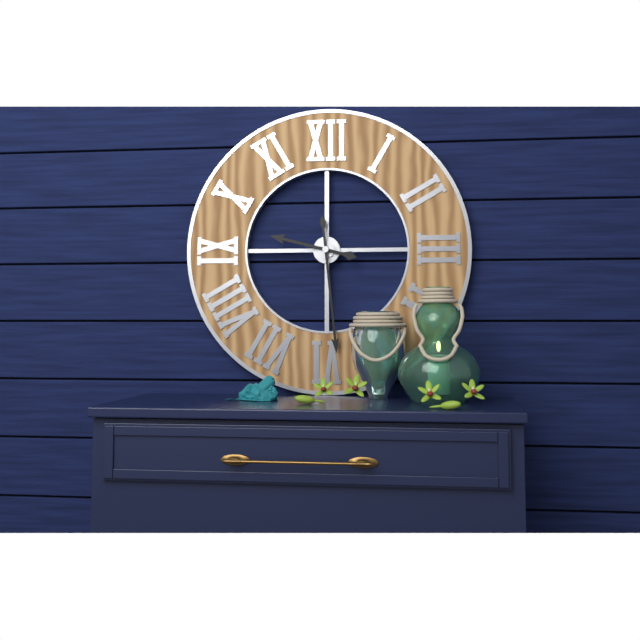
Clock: 9 h 29 min
